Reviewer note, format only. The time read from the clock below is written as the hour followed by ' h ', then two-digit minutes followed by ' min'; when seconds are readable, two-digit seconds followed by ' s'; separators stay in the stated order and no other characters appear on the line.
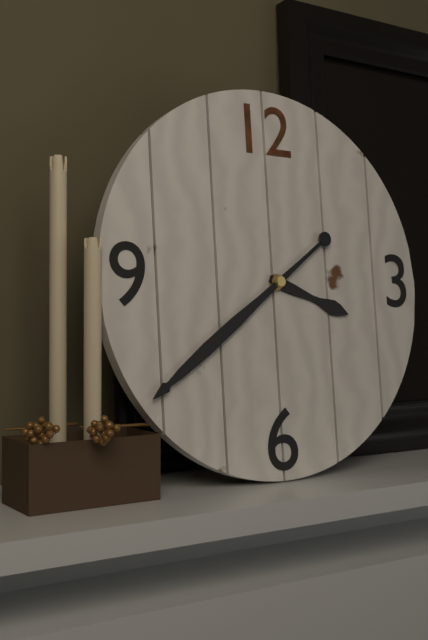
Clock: 3 h 39 min
